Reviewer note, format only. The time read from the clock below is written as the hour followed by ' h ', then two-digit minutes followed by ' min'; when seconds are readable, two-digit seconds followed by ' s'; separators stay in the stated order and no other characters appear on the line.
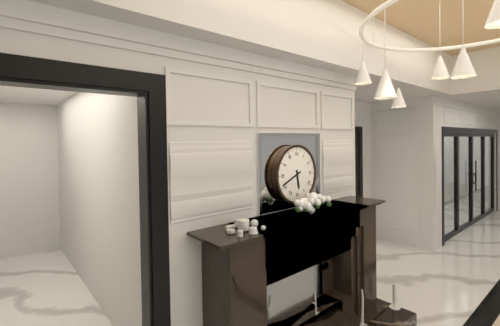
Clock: 5 h 41 min
